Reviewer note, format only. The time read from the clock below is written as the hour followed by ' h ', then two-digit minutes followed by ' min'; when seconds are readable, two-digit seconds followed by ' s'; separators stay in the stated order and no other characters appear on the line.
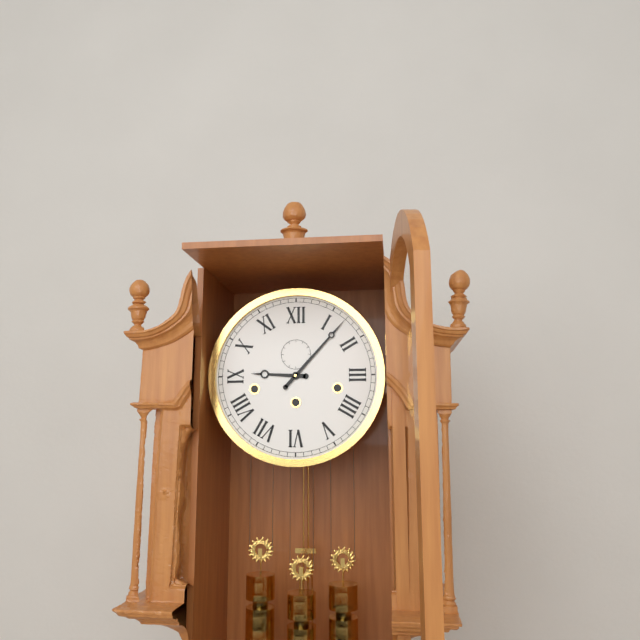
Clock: 9 h 07 min
